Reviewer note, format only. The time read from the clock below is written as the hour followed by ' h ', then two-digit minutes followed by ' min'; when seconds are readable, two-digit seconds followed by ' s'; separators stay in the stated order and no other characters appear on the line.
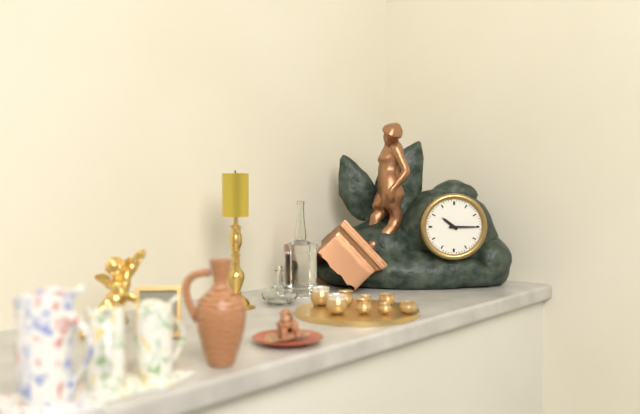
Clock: 10 h 15 min
